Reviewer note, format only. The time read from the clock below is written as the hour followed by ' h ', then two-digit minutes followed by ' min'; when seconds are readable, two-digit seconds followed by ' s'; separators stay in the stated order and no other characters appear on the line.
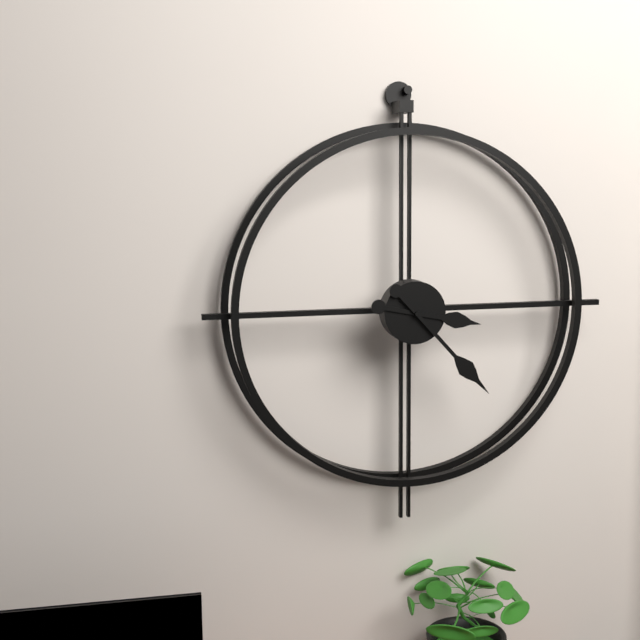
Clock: 3 h 23 min
